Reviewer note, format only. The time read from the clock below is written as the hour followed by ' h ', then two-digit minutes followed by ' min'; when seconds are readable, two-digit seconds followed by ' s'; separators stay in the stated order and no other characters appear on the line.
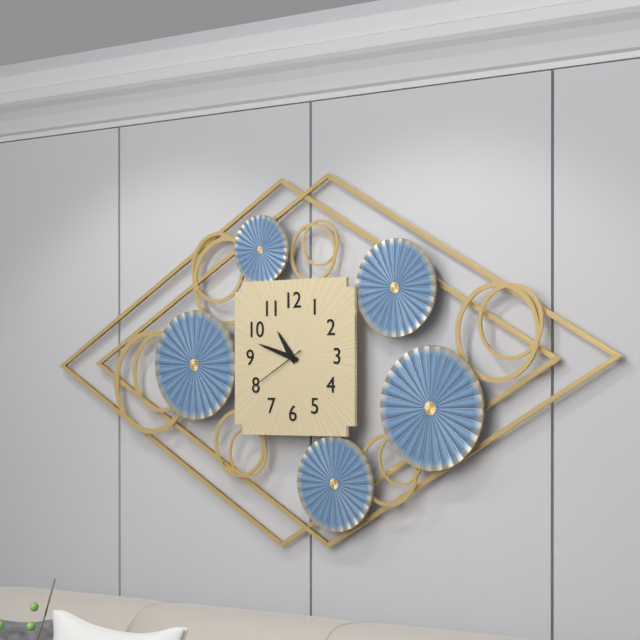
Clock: 10 h 48 min
